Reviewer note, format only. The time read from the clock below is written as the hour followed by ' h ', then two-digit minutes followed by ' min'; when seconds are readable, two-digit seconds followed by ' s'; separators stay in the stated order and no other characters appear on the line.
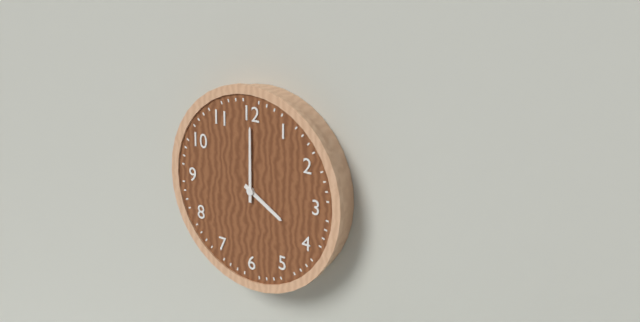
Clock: 4 h 00 min
